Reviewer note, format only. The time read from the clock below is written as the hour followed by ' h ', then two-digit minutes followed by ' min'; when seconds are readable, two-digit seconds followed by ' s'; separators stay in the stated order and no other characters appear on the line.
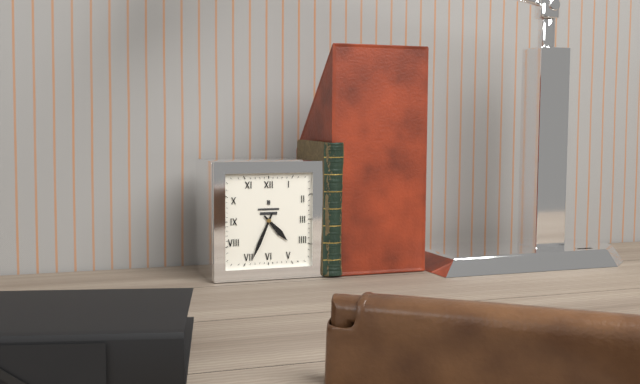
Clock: 4 h 34 min
